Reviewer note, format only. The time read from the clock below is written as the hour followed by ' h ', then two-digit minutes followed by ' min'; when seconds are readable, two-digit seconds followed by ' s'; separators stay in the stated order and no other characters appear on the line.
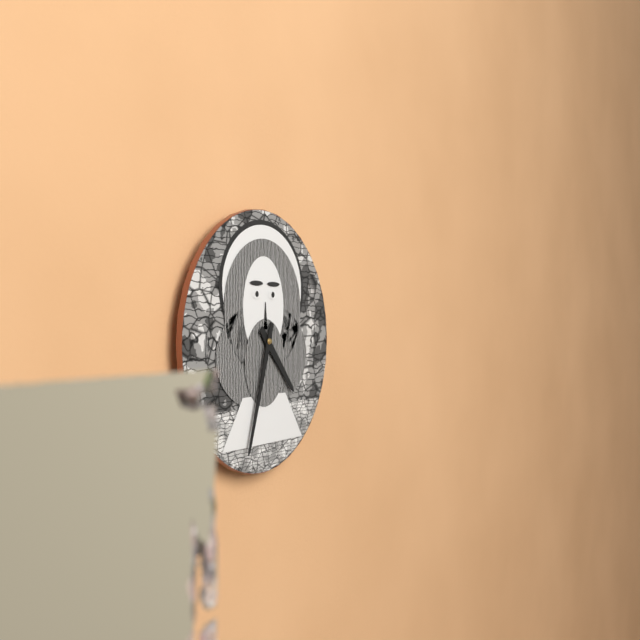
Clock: 4 h 33 min
